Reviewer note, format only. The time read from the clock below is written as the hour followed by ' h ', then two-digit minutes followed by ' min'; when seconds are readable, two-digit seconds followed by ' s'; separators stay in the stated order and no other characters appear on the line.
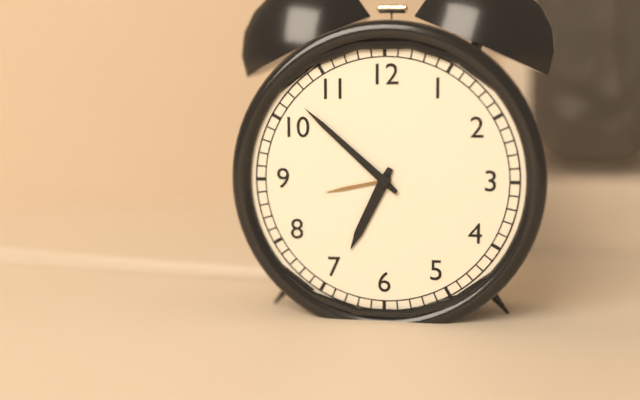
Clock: 6 h 52 min
